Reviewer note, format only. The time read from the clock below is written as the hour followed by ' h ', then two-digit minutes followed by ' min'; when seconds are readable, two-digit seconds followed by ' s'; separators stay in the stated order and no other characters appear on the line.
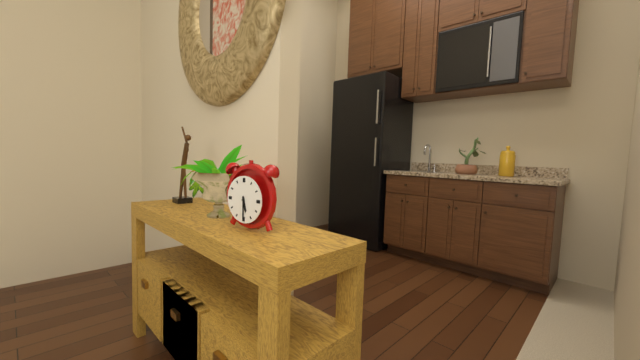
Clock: 5 h 30 min
